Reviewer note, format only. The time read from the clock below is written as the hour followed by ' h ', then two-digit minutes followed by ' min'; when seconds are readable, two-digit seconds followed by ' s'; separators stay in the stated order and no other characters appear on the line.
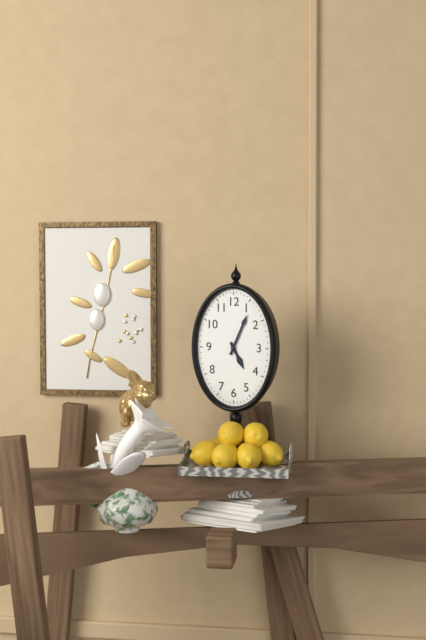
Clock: 5 h 04 min
